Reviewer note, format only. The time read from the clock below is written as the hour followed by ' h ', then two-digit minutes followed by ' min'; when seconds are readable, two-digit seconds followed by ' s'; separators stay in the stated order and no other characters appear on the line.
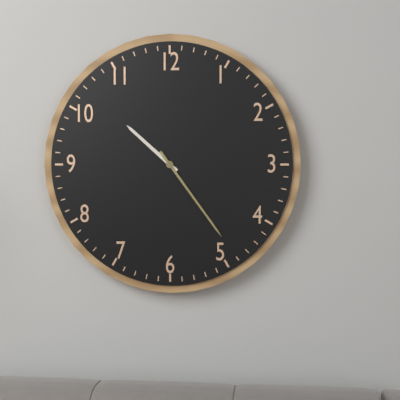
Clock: 10 h 24 min
